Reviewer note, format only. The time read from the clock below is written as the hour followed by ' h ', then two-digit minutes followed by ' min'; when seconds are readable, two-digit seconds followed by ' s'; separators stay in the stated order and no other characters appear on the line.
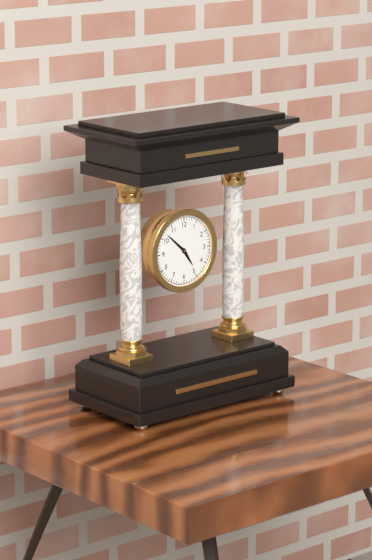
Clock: 4 h 52 min
